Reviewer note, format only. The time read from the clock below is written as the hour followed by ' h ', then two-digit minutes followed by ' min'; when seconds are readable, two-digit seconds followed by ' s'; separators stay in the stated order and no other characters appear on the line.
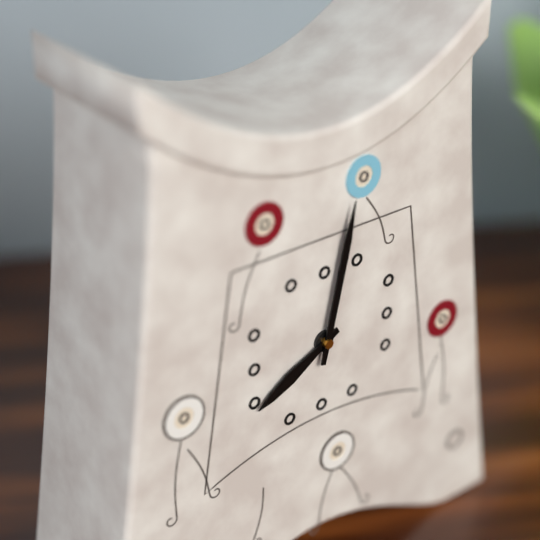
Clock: 8 h 02 min
